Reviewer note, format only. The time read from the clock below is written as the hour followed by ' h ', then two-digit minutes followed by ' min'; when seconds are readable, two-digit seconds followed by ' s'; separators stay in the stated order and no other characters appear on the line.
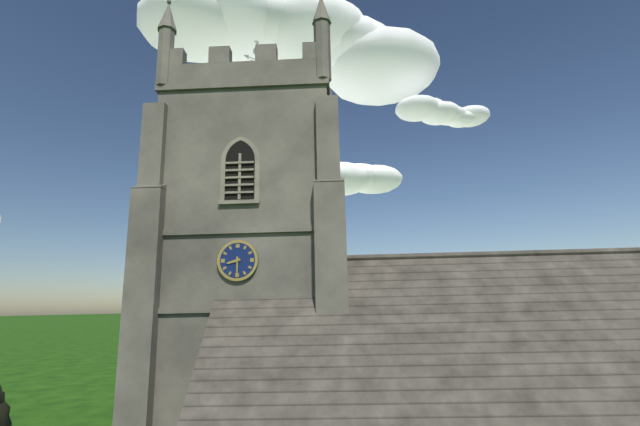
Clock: 8 h 30 min
